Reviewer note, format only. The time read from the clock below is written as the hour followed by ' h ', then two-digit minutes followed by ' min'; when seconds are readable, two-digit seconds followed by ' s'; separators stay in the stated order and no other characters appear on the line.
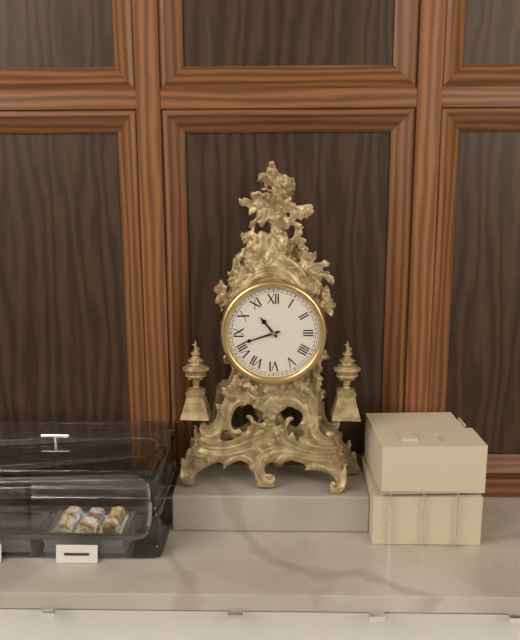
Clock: 10 h 42 min
